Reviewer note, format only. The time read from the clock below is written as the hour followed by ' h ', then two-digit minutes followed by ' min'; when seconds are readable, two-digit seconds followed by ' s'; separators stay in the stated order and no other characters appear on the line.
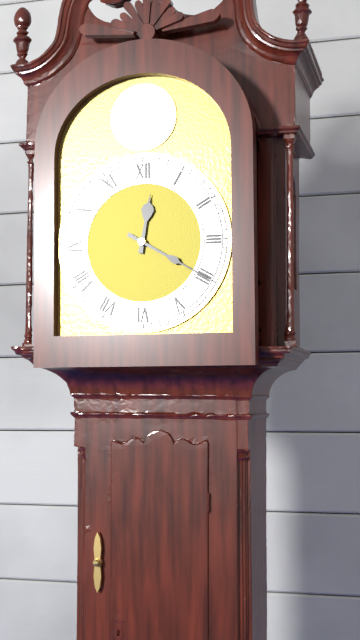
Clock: 12 h 20 min
